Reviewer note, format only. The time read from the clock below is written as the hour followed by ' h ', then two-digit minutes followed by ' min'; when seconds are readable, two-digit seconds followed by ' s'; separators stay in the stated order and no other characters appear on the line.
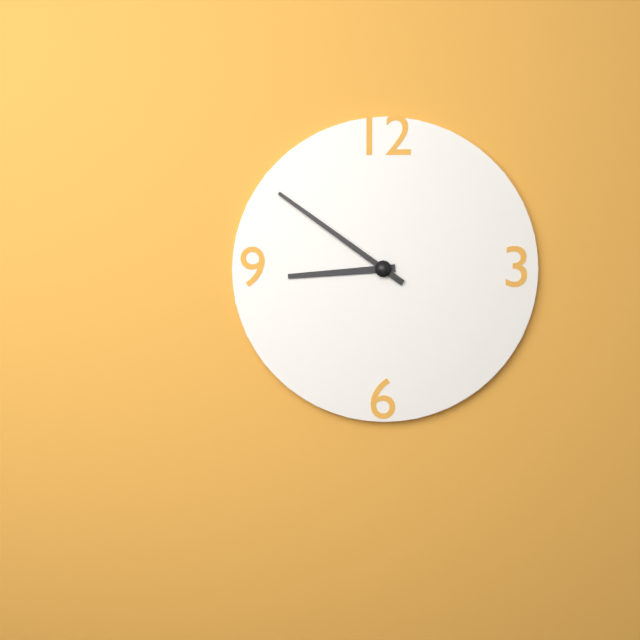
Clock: 8 h 51 min
